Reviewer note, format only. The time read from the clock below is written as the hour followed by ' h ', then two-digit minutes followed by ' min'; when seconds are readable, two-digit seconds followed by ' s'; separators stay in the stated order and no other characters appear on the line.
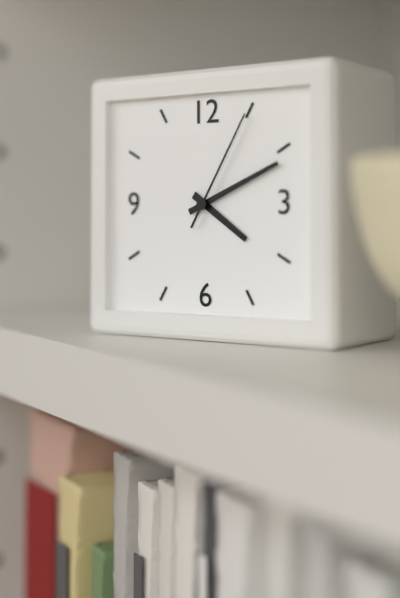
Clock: 4 h 11 min 05 s
